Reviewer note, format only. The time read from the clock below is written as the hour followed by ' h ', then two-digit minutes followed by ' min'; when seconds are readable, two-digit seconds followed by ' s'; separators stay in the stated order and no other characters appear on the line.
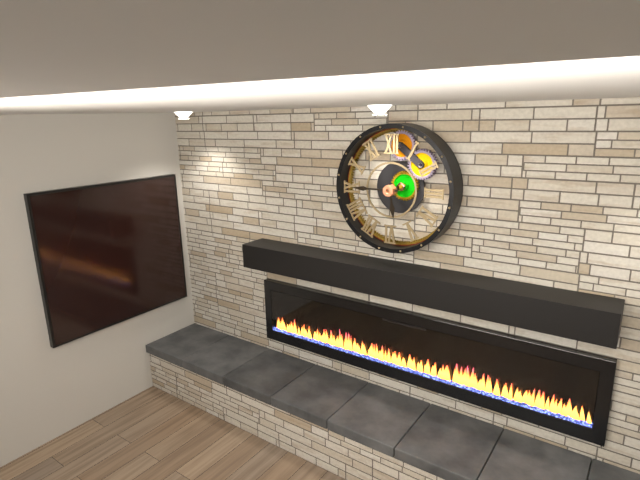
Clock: 5 h 45 min
